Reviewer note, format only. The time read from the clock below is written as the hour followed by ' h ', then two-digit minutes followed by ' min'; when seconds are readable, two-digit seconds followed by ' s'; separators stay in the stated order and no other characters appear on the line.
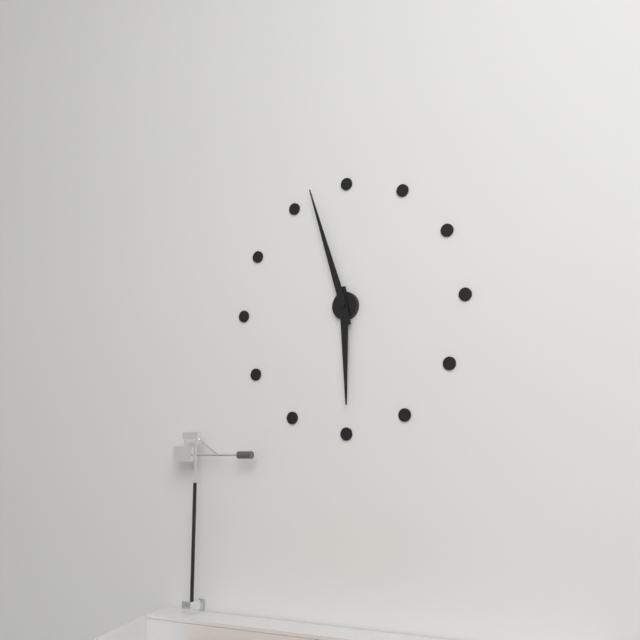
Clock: 5 h 57 min
